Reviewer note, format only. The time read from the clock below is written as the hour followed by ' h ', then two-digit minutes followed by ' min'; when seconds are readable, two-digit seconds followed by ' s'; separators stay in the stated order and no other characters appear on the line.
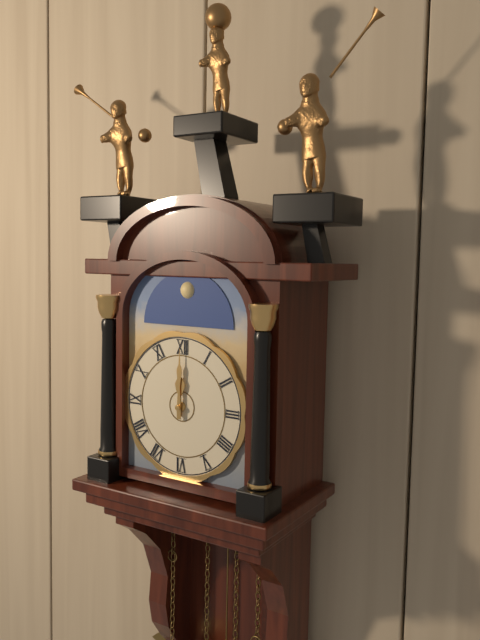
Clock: 12 h 00 min
